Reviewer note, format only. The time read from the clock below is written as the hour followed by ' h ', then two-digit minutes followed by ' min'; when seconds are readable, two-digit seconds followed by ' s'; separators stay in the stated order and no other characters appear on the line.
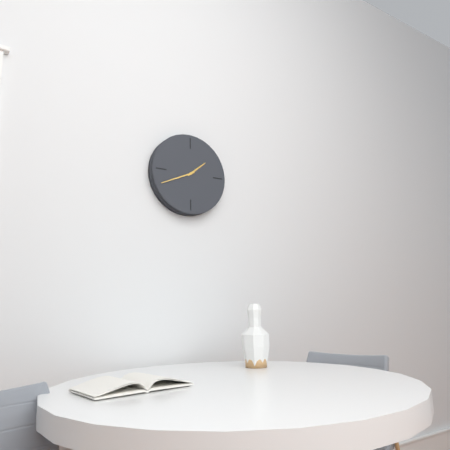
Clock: 1 h 41 min
